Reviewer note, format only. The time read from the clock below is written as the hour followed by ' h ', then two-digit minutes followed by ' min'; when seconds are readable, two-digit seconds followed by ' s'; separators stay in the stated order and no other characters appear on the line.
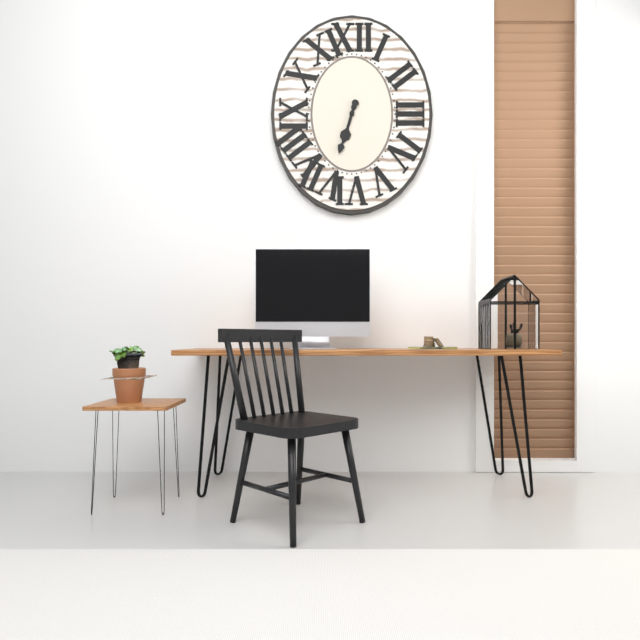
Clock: 6 h 33 min
